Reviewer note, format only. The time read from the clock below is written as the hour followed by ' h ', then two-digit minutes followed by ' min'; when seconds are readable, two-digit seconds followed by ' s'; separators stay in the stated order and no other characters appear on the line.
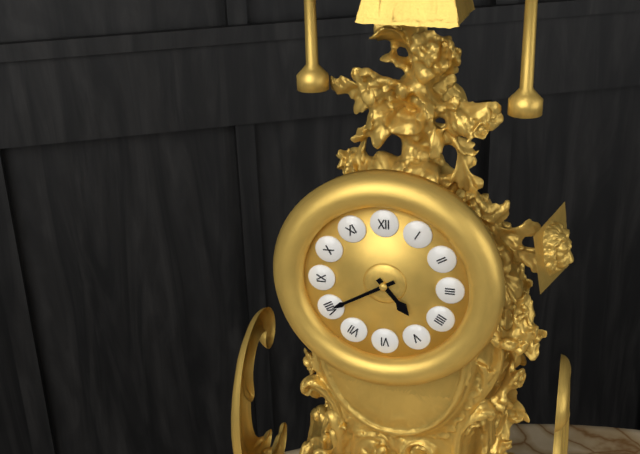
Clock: 4 h 40 min
